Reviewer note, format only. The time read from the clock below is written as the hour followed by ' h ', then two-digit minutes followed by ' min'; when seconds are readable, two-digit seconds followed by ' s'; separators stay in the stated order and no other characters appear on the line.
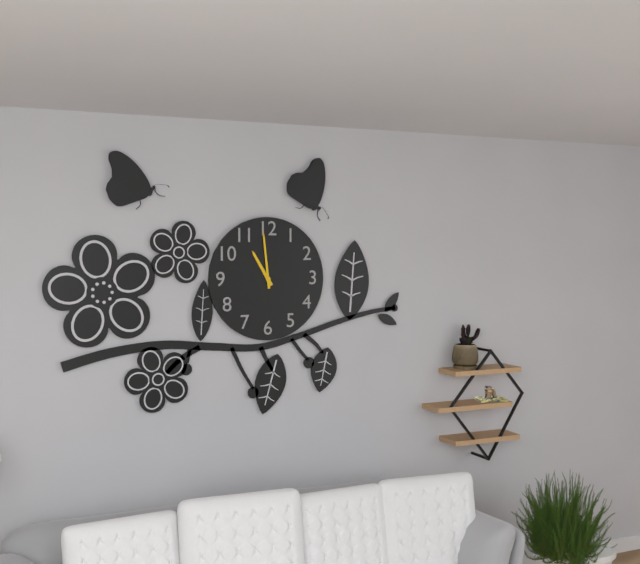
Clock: 10 h 59 min
